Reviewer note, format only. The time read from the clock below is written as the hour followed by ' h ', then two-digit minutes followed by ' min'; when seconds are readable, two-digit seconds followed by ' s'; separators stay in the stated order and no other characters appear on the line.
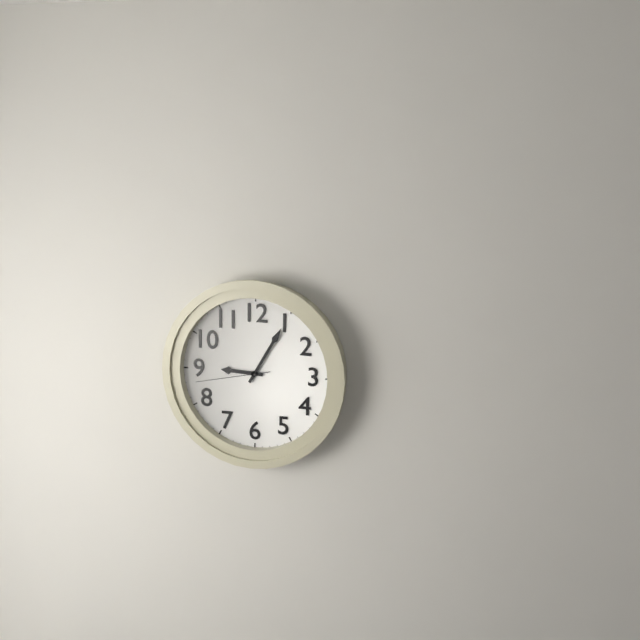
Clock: 9 h 05 min 43 s
